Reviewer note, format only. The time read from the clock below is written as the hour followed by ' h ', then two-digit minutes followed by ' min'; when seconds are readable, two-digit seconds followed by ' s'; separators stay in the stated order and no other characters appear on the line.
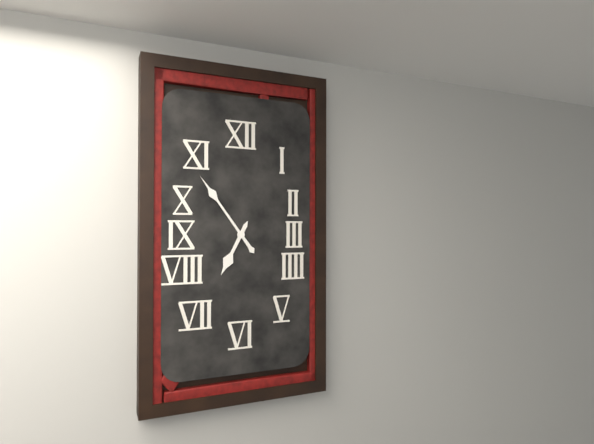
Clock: 6 h 54 min
